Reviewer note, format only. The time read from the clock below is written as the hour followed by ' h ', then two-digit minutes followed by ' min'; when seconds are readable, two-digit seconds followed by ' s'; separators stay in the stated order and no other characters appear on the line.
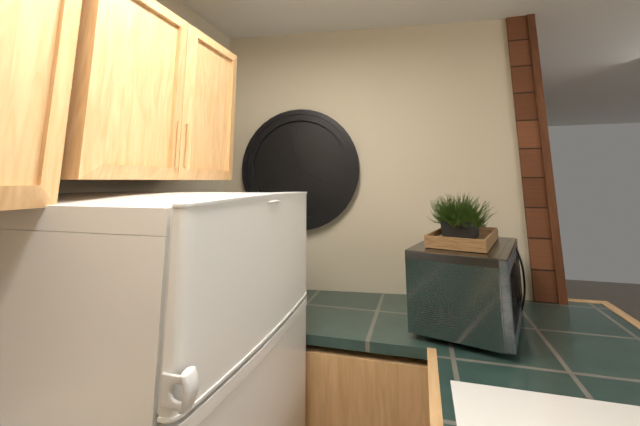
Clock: 3 h 57 min
